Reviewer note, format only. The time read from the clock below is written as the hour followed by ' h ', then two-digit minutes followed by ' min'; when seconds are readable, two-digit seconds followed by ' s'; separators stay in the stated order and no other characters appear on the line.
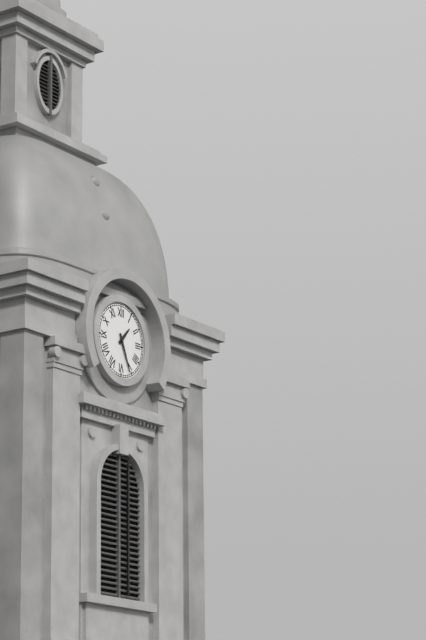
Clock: 1 h 26 min
